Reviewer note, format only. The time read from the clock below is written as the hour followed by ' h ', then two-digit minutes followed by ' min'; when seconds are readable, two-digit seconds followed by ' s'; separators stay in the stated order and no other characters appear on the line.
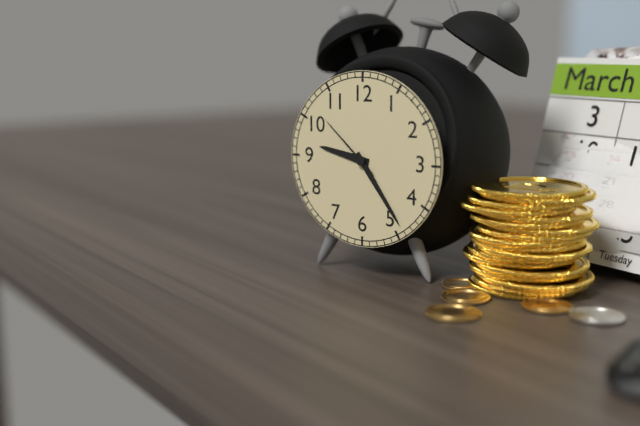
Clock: 9 h 24 min 52 s
